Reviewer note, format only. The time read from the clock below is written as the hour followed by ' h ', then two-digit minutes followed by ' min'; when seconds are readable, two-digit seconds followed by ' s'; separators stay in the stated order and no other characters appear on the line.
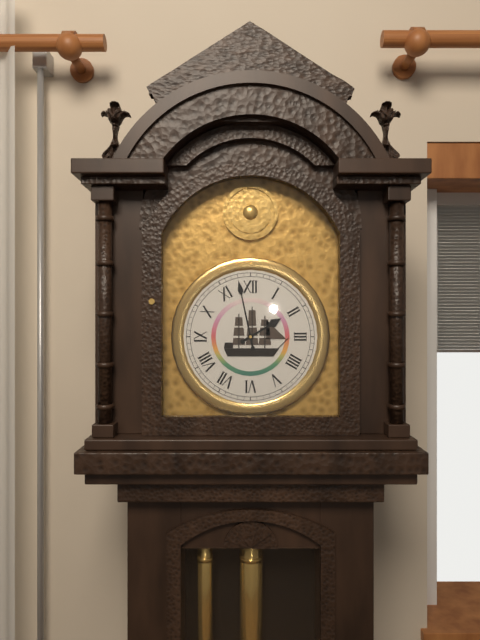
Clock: 1 h 58 min
